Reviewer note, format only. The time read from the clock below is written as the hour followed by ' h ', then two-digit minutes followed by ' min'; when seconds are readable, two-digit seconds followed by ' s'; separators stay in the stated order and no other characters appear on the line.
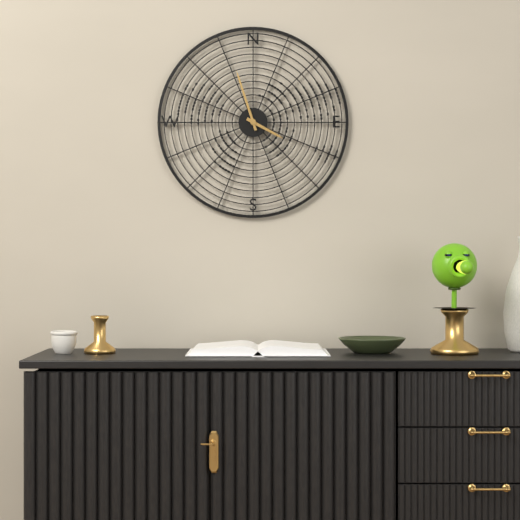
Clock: 3 h 57 min
